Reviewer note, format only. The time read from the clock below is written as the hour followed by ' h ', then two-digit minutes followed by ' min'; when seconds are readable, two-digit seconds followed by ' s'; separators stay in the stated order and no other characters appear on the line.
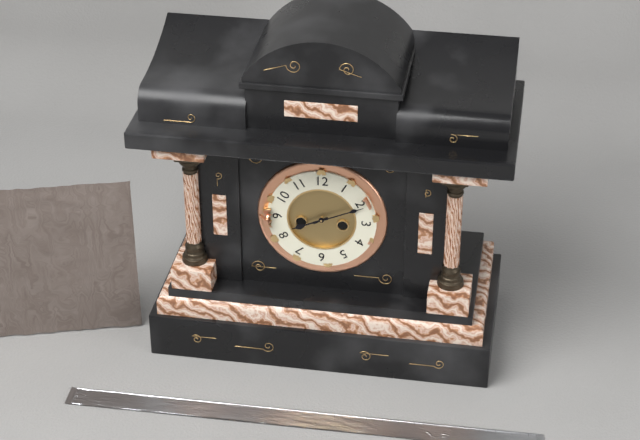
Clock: 8 h 11 min
